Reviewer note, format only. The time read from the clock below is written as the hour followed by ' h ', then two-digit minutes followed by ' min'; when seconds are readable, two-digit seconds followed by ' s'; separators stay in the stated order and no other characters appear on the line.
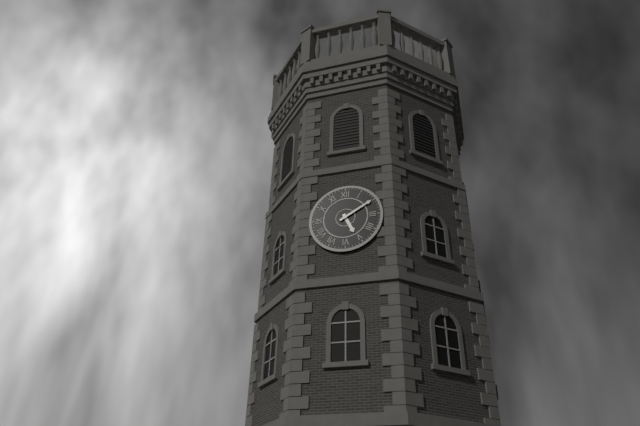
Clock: 5 h 10 min
